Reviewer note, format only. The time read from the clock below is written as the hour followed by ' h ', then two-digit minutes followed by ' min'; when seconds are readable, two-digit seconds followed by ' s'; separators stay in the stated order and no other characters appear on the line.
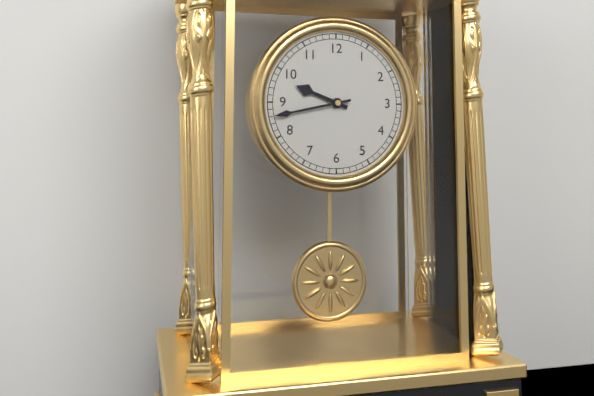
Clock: 9 h 43 min
